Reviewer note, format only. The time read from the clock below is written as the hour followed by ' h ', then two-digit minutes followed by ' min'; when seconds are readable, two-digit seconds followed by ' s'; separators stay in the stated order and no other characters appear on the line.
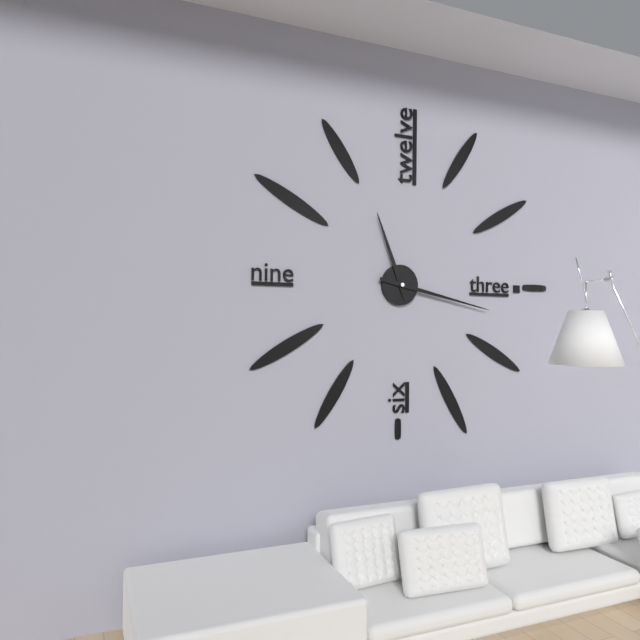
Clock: 11 h 17 min
